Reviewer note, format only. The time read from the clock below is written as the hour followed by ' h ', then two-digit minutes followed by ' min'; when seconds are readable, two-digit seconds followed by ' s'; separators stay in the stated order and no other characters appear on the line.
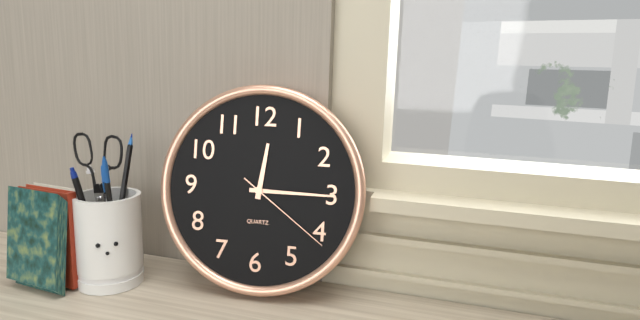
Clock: 12 h 15 min 21 s
